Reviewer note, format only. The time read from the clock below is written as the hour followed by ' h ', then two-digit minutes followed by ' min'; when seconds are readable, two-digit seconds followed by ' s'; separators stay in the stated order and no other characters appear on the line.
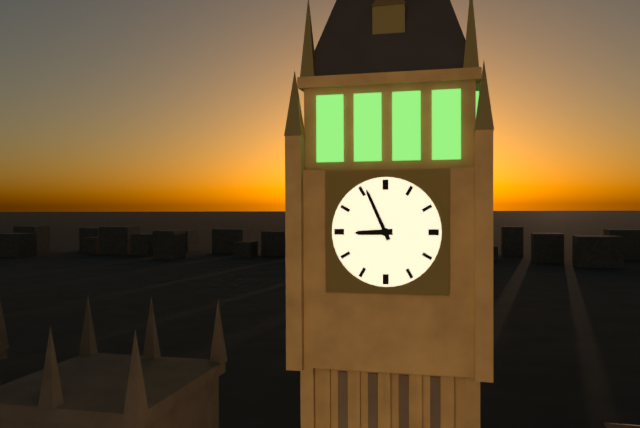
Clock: 8 h 56 min
